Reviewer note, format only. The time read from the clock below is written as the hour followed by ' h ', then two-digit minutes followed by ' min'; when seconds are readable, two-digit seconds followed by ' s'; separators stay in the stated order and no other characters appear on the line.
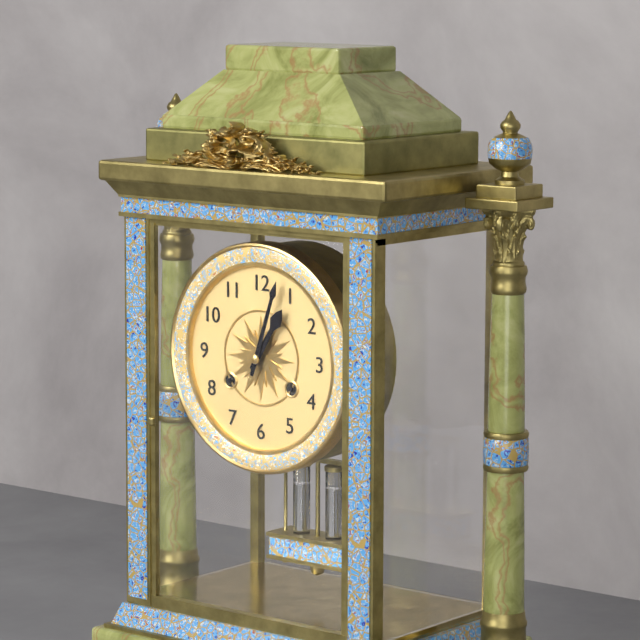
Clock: 1 h 03 min
